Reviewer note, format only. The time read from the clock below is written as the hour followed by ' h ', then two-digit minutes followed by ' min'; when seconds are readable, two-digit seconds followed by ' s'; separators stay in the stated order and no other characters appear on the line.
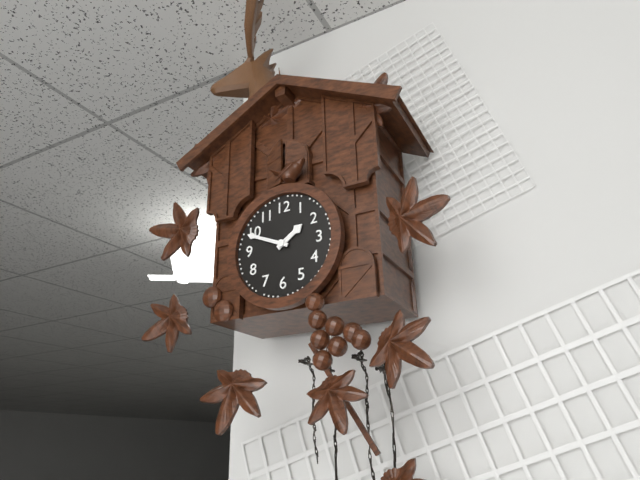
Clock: 1 h 49 min
